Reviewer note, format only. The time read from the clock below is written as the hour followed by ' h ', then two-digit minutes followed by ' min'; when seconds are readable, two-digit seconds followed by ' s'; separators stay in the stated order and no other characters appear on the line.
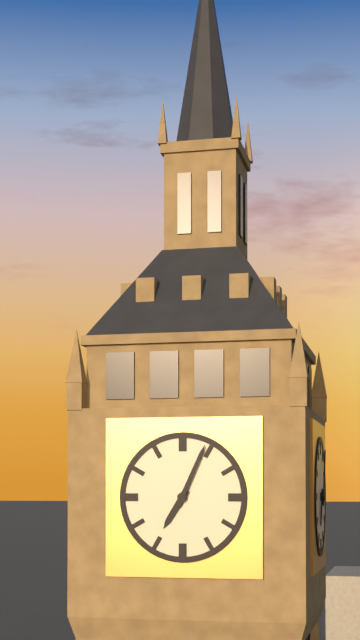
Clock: 7 h 04 min
